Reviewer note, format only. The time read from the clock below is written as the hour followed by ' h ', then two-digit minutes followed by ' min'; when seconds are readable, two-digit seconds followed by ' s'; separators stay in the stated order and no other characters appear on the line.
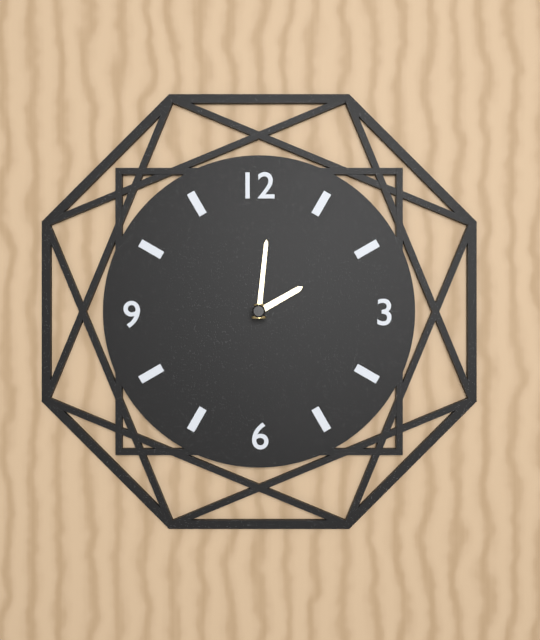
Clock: 2 h 01 min
